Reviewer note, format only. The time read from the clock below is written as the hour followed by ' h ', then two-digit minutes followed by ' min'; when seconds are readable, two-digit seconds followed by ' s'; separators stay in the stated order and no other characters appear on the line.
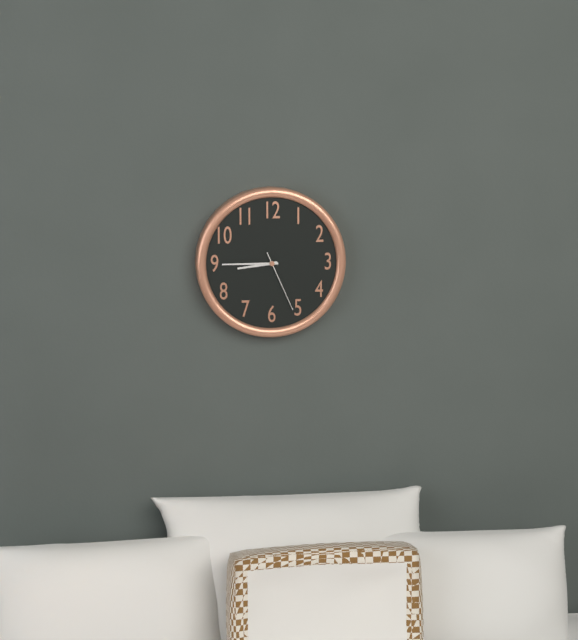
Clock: 8 h 45 min 26 s
